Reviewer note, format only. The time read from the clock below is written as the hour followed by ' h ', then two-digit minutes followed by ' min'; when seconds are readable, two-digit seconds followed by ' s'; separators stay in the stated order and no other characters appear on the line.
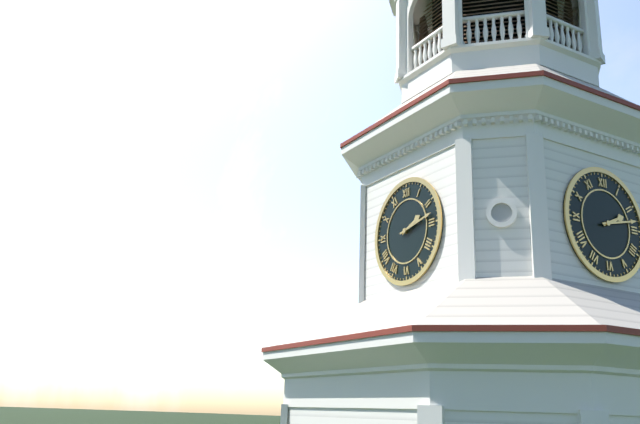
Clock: 2 h 13 min
